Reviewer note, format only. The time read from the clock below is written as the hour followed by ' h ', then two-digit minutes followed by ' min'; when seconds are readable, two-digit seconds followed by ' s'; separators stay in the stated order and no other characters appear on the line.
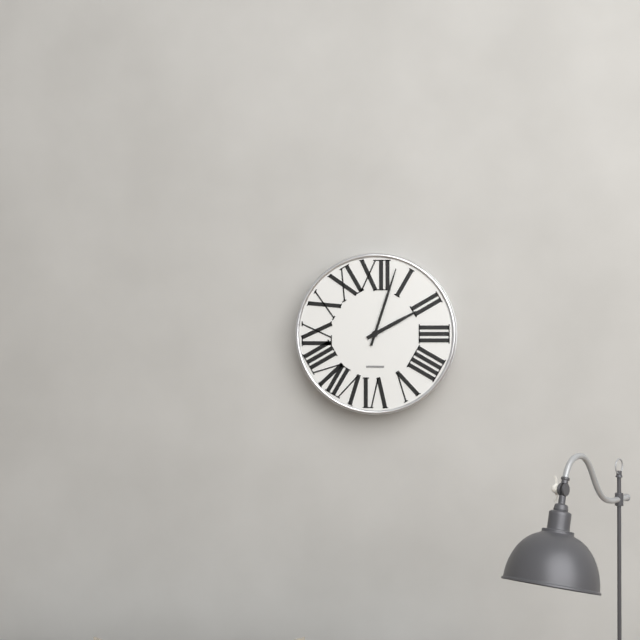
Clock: 2 h 03 min
